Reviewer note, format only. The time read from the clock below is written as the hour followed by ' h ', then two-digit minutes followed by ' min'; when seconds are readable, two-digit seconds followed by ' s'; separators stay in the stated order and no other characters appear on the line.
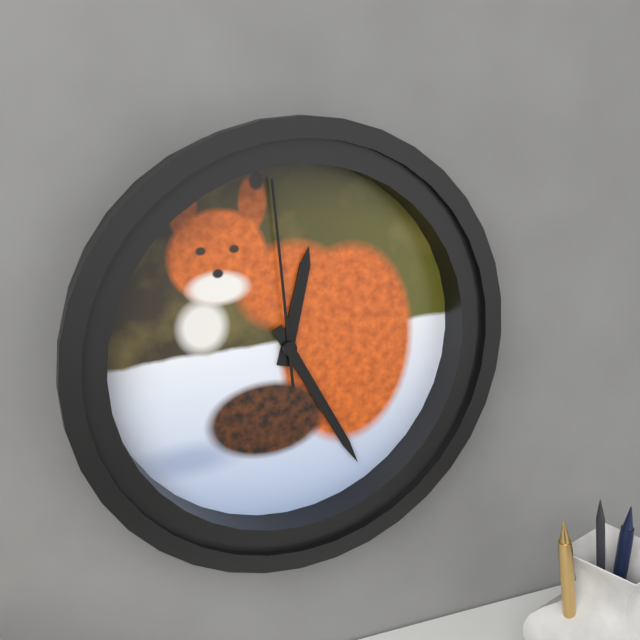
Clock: 12 h 25 min 59 s
